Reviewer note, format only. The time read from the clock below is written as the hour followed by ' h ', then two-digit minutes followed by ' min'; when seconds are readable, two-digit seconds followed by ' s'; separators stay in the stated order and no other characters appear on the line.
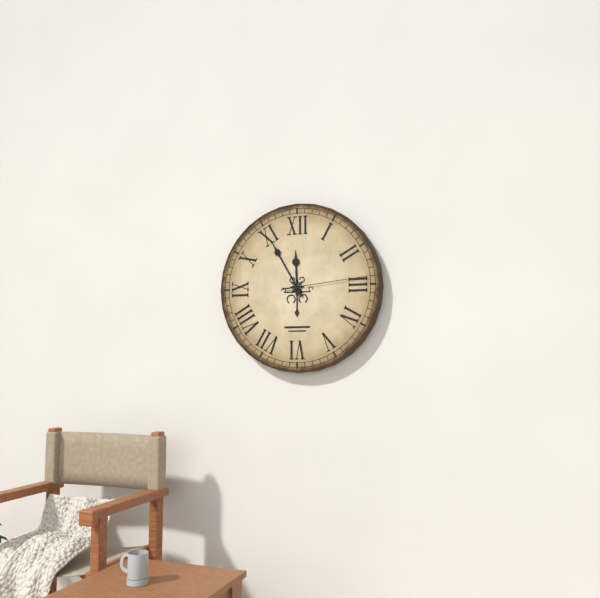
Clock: 11 h 55 min 14 s
